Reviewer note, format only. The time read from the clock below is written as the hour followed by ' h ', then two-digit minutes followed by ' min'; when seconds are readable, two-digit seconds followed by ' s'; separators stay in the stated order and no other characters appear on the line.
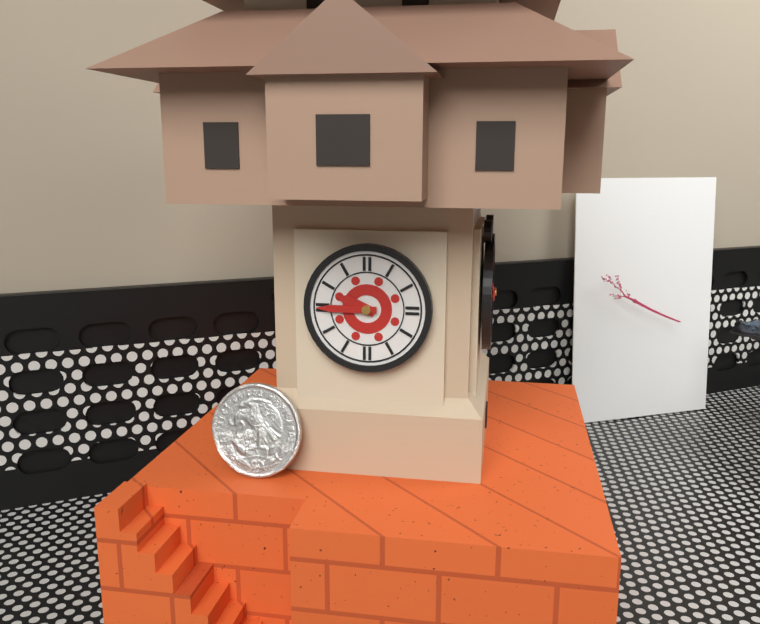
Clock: 9 h 45 min
